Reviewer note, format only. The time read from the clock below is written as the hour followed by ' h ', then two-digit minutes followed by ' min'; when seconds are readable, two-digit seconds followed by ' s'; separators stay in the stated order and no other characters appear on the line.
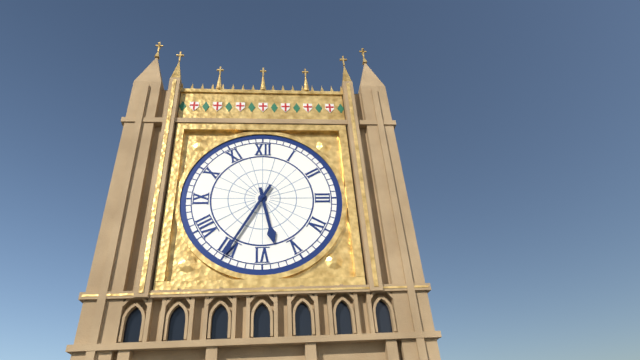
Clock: 5 h 35 min
